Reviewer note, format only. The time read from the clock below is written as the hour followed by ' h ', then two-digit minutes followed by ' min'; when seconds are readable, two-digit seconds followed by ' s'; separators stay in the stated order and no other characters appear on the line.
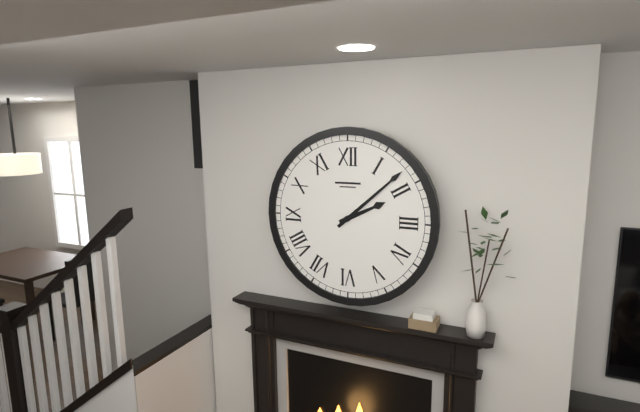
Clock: 2 h 08 min
